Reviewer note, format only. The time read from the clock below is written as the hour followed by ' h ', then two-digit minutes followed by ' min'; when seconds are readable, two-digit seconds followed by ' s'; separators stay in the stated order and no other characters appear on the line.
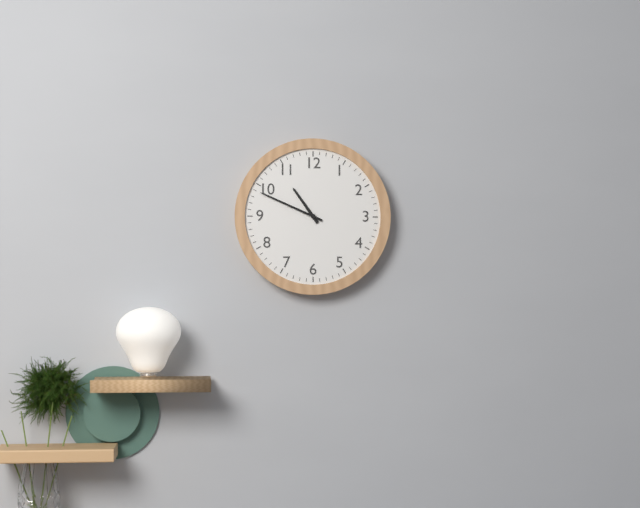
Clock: 10 h 49 min
